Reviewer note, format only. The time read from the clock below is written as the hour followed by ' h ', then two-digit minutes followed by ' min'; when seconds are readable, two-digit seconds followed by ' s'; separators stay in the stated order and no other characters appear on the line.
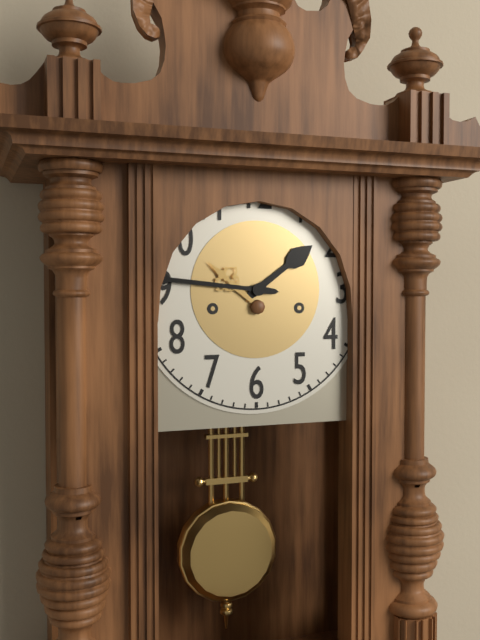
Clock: 1 h 46 min
